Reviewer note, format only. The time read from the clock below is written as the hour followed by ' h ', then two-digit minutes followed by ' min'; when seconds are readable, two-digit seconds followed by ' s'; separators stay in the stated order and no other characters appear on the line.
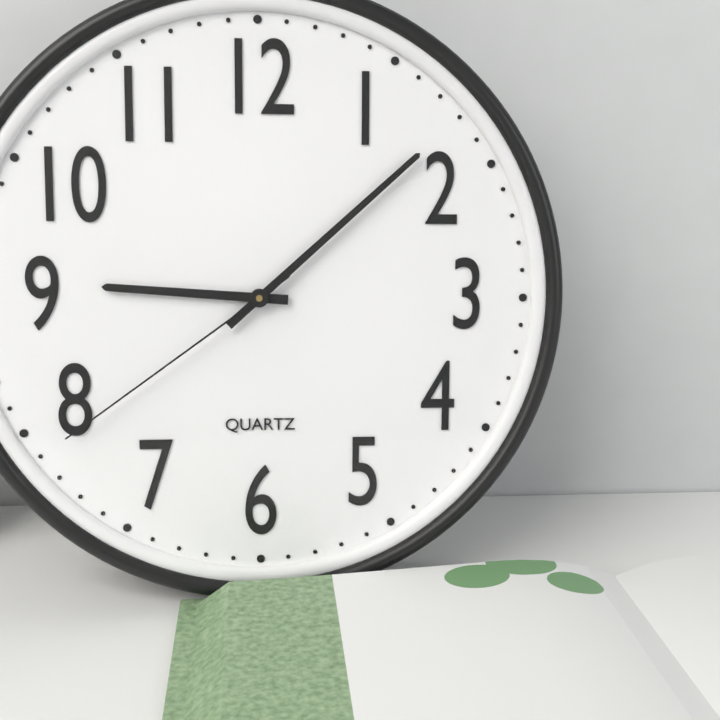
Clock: 9 h 08 min 39 s
